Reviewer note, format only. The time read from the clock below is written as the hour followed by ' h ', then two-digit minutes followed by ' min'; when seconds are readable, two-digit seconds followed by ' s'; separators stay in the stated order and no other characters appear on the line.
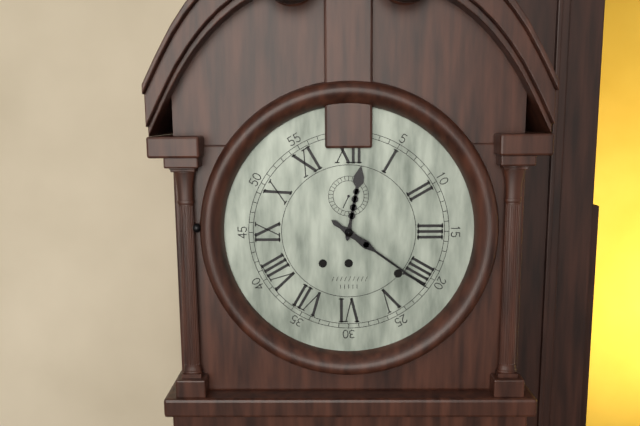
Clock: 12 h 21 min
